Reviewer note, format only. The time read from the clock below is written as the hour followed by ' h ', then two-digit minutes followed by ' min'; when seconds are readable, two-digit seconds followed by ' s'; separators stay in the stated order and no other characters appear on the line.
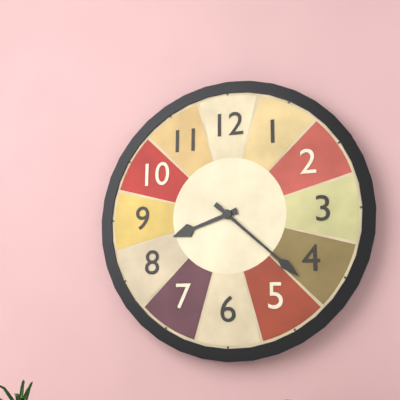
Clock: 8 h 22 min
